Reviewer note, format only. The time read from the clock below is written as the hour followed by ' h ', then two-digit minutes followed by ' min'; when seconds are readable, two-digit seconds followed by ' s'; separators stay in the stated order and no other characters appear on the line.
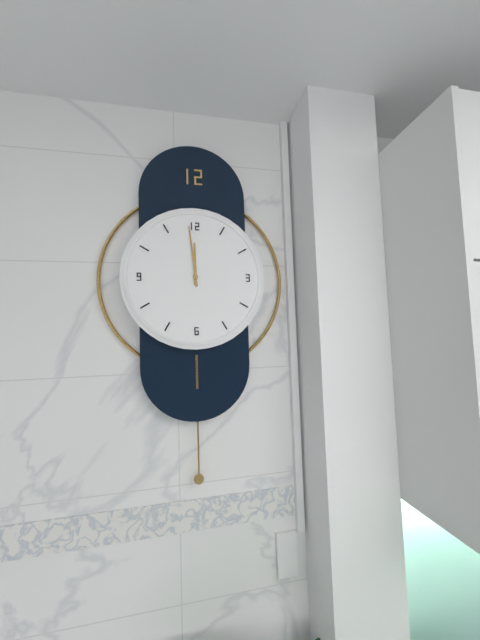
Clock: 11 h 59 min
